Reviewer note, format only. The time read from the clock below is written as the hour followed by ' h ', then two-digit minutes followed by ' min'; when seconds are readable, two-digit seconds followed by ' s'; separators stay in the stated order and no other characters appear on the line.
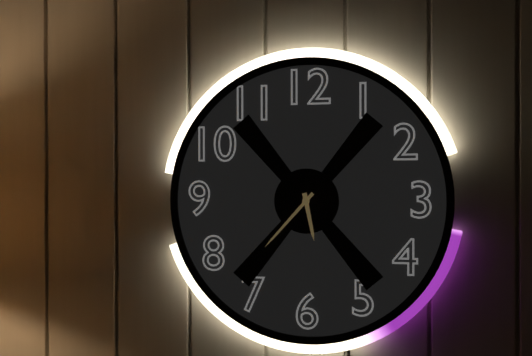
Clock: 5 h 37 min
